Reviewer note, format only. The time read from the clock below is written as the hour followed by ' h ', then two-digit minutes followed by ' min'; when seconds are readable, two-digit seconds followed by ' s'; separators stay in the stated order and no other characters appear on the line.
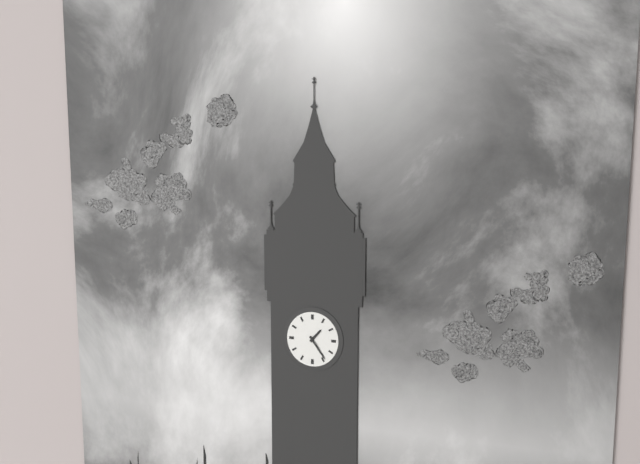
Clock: 1 h 24 min
